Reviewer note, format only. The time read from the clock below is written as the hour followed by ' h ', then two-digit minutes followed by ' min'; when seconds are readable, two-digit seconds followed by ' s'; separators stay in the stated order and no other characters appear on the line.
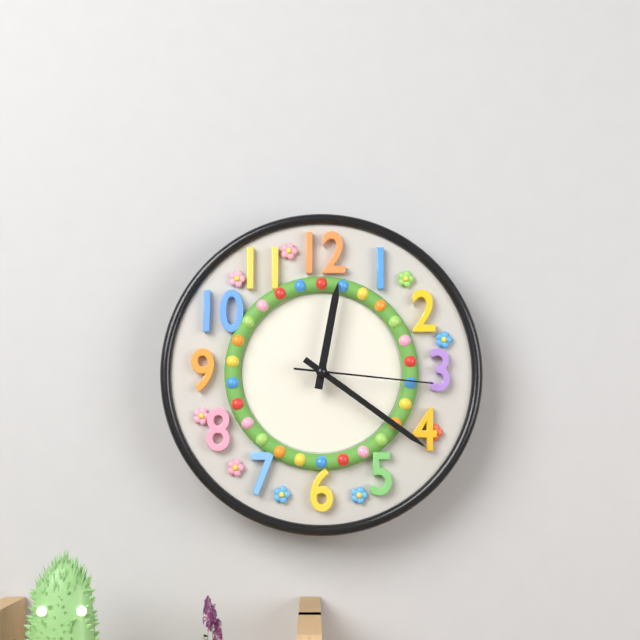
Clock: 12 h 21 min 16 s
